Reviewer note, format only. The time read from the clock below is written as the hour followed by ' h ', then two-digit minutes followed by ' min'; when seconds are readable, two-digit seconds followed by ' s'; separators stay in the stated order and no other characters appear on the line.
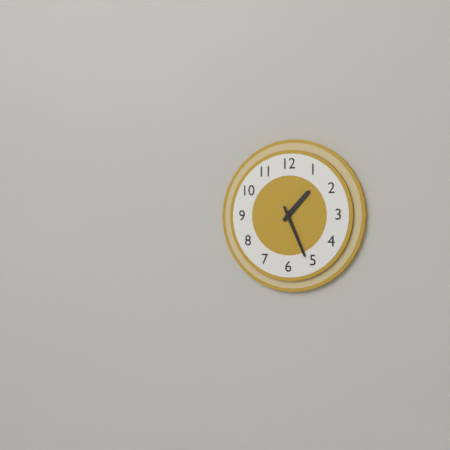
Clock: 1 h 26 min
